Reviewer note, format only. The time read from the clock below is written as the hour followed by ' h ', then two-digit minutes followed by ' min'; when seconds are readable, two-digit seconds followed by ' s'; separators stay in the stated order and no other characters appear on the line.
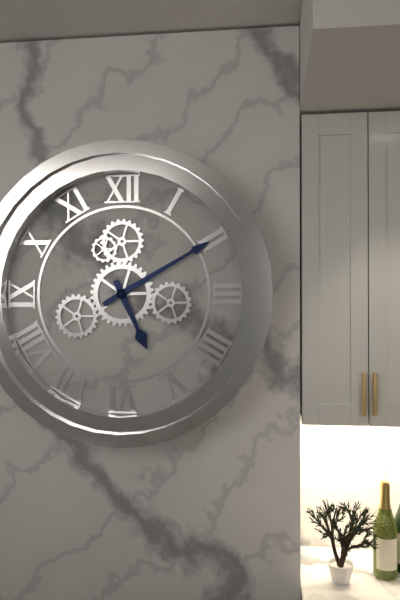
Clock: 5 h 10 min
